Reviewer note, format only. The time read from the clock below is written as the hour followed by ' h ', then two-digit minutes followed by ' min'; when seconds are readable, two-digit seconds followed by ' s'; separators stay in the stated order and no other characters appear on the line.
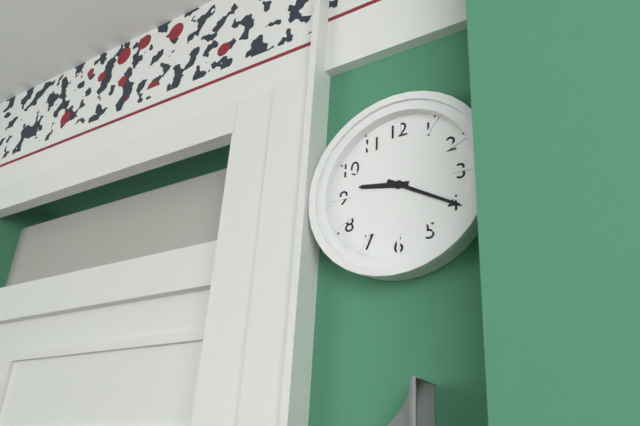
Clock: 9 h 20 min
